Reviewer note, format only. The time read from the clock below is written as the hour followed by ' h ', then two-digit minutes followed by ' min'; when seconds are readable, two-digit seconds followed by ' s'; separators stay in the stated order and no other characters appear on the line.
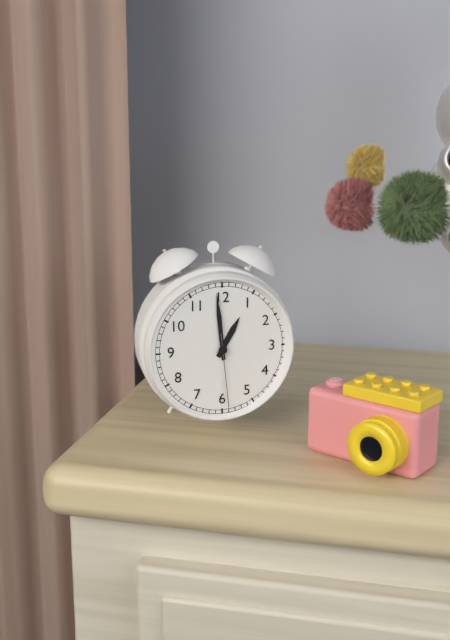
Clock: 12 h 59 min 29 s
